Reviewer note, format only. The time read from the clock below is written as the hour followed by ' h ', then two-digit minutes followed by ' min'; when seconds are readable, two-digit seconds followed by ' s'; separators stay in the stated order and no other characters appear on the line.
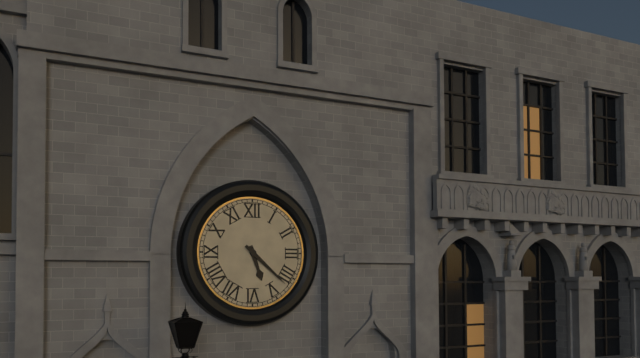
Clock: 5 h 22 min
